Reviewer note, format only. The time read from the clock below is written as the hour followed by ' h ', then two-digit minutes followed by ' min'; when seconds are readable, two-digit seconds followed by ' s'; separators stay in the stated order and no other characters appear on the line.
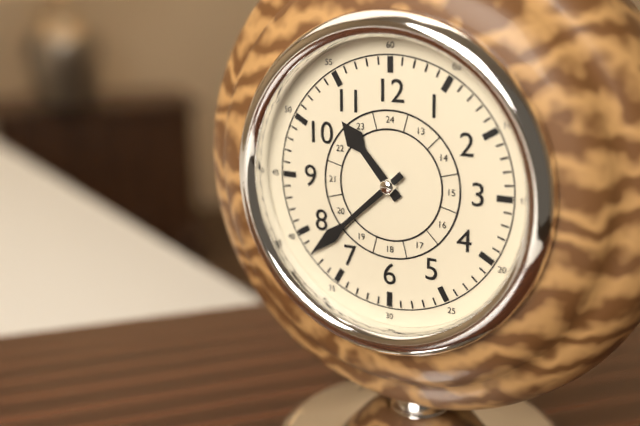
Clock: 10 h 38 min
